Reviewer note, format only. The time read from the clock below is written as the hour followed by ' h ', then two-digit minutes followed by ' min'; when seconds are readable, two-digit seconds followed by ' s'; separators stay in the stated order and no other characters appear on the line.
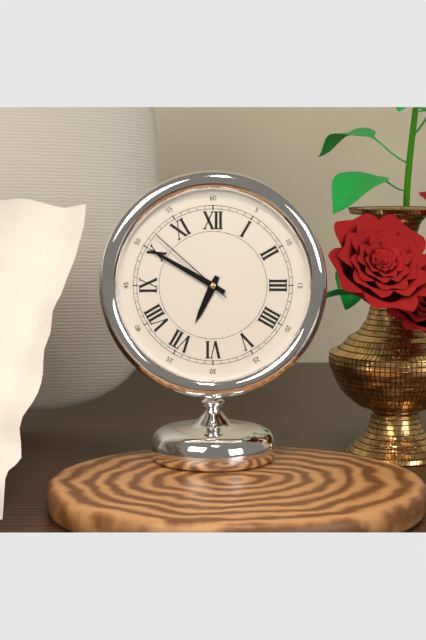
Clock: 6 h 50 min 52 s
